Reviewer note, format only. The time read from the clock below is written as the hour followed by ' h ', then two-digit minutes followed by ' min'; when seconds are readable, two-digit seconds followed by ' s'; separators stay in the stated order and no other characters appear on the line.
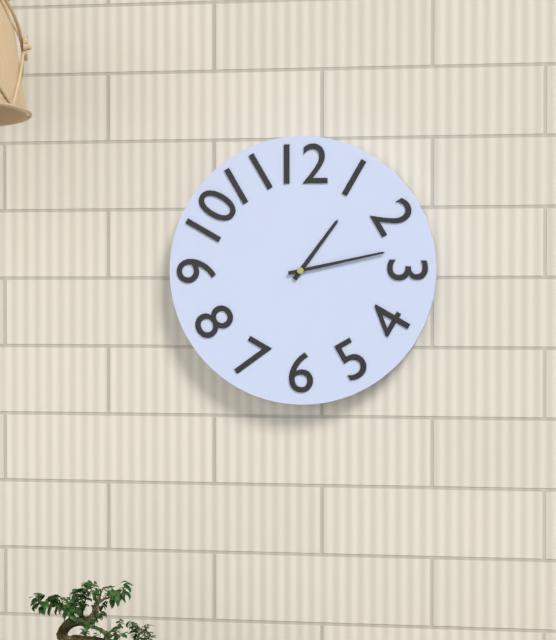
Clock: 1 h 13 min
